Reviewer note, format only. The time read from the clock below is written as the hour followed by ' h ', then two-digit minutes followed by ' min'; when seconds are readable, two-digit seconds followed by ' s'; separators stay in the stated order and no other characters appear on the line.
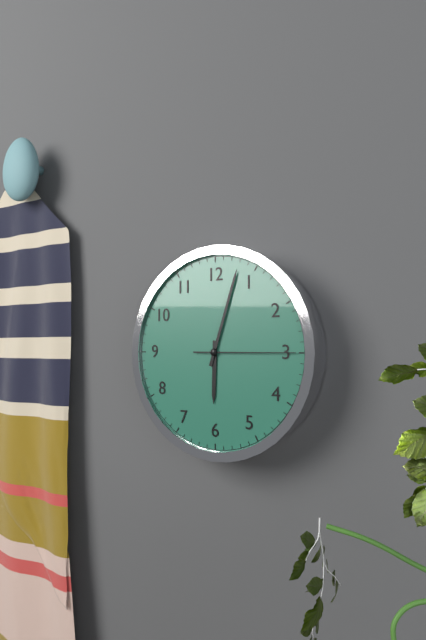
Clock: 6 h 03 min 15 s
